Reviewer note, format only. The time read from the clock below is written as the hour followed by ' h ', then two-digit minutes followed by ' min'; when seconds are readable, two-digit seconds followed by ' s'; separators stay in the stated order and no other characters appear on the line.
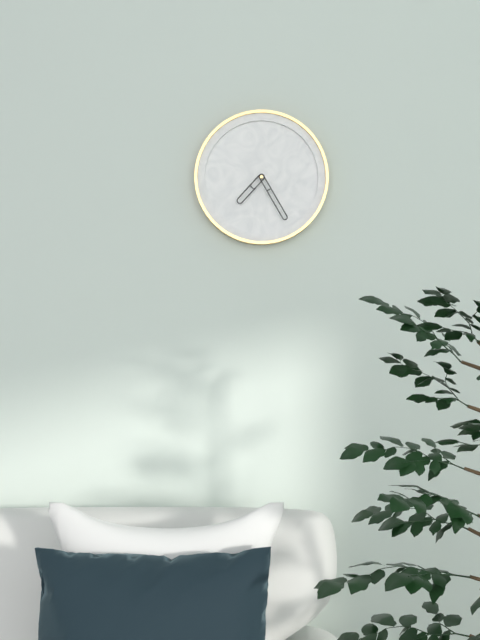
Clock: 7 h 25 min
